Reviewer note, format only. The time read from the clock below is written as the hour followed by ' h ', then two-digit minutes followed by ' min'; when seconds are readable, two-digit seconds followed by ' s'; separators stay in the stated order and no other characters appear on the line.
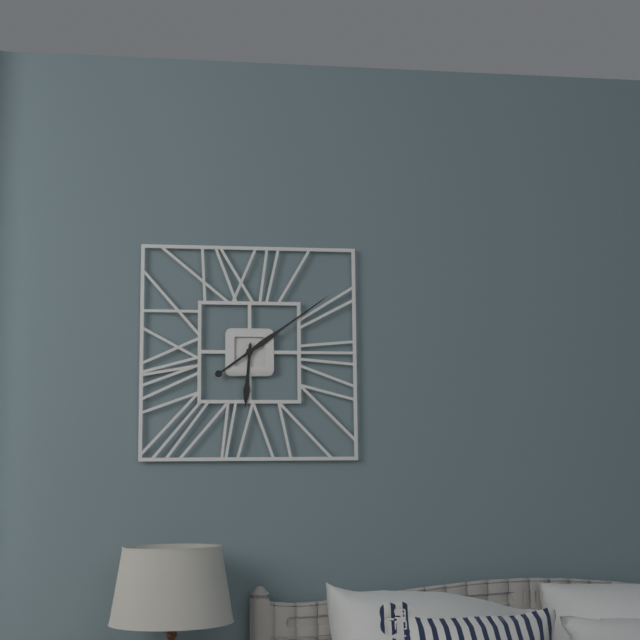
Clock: 6 h 09 min
